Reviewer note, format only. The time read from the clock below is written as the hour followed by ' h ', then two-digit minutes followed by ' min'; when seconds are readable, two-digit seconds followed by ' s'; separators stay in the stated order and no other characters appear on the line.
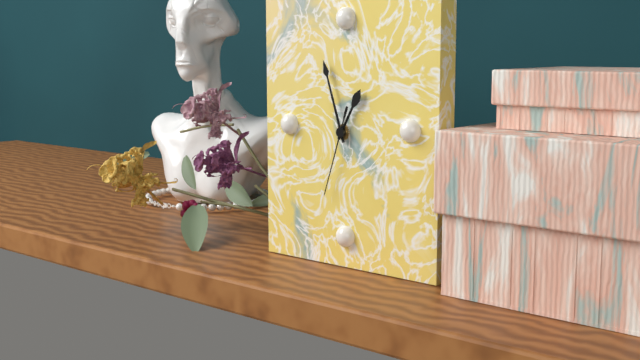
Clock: 12 h 57 min 33 s
